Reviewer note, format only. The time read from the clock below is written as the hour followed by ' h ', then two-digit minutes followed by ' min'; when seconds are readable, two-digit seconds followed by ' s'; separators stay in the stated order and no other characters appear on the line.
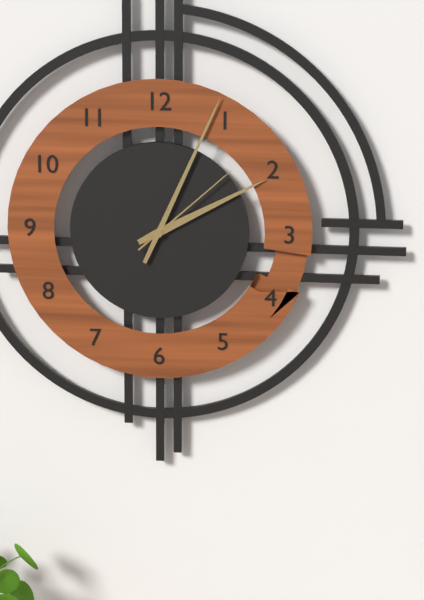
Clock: 2 h 04 min 08 s
